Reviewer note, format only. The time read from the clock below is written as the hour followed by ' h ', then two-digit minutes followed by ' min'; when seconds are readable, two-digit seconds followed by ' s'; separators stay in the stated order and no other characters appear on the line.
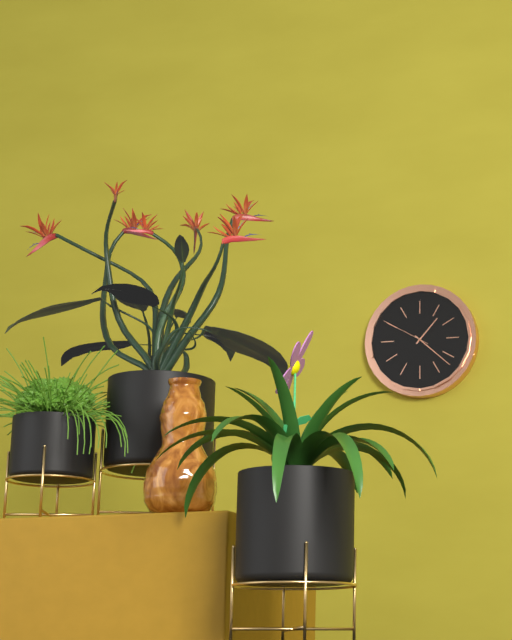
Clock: 1 h 22 min 50 s
